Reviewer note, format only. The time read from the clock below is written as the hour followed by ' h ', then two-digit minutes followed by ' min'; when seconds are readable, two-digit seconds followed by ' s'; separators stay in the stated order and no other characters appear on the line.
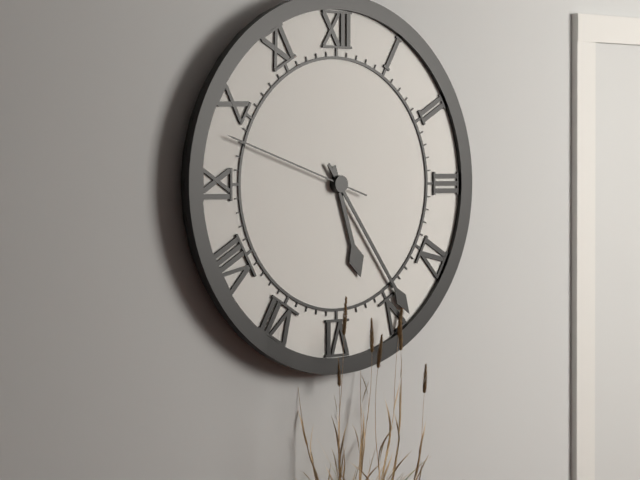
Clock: 5 h 24 min 48 s
